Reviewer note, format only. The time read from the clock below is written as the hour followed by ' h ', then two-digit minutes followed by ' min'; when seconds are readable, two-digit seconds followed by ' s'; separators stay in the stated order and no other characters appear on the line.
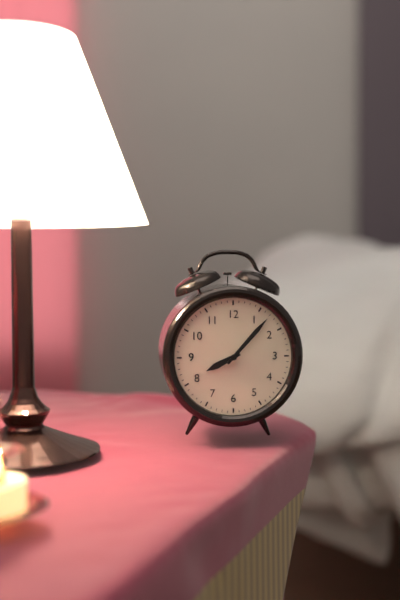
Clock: 8 h 07 min
